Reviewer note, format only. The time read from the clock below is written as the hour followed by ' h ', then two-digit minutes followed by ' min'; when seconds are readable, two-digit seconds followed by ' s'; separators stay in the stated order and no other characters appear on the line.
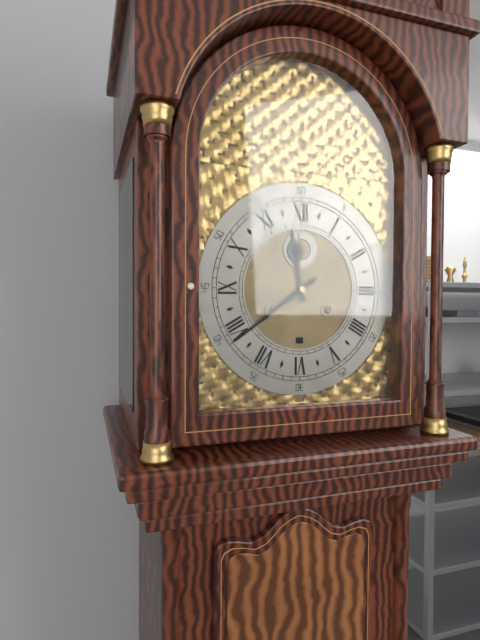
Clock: 11 h 39 min
